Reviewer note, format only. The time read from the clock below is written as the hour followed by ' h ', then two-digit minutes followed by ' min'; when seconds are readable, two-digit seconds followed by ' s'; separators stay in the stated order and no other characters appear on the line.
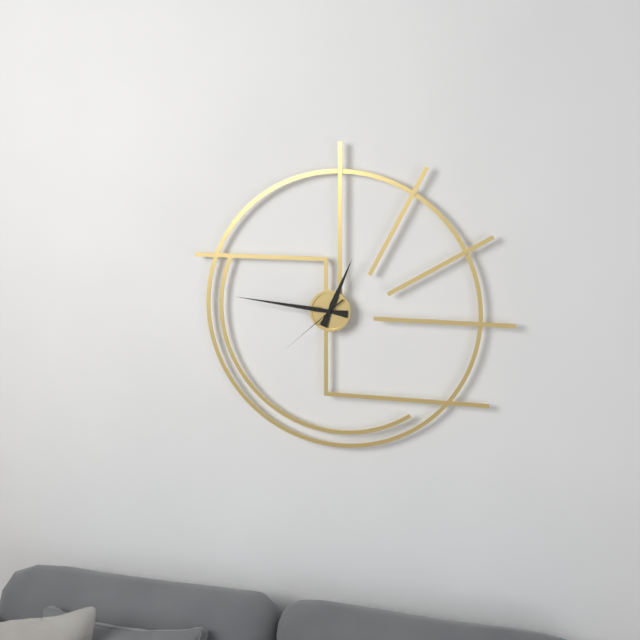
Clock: 12 h 46 min 38 s
